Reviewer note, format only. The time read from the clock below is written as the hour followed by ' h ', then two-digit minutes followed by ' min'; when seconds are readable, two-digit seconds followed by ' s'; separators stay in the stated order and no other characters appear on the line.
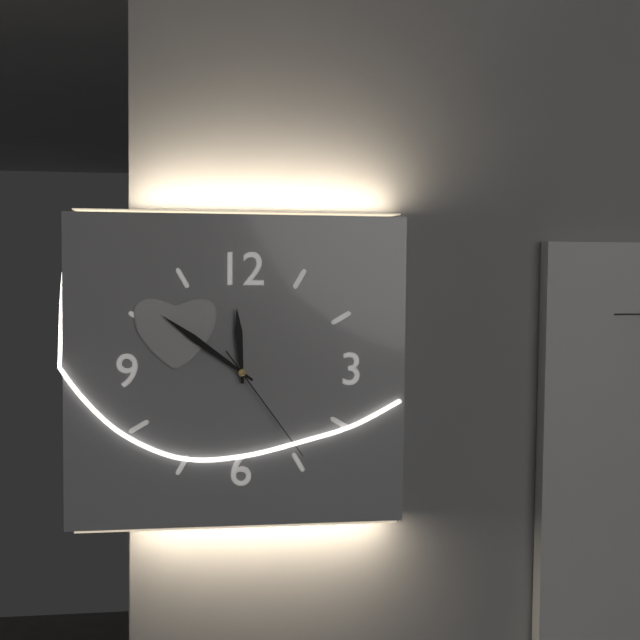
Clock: 11 h 51 min 24 s
